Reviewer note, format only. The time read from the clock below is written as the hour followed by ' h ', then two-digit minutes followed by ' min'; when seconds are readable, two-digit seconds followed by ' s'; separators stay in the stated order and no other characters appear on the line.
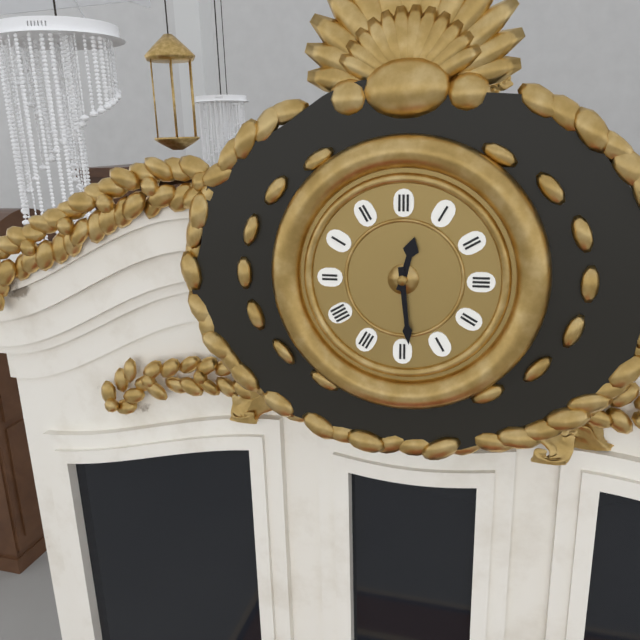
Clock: 12 h 29 min
